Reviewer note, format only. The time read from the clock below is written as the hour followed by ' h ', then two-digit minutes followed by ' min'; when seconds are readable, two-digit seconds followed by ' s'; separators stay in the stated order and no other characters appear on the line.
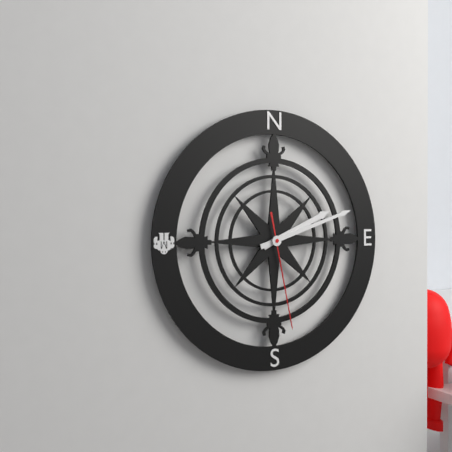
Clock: 2 h 12 min 28 s
